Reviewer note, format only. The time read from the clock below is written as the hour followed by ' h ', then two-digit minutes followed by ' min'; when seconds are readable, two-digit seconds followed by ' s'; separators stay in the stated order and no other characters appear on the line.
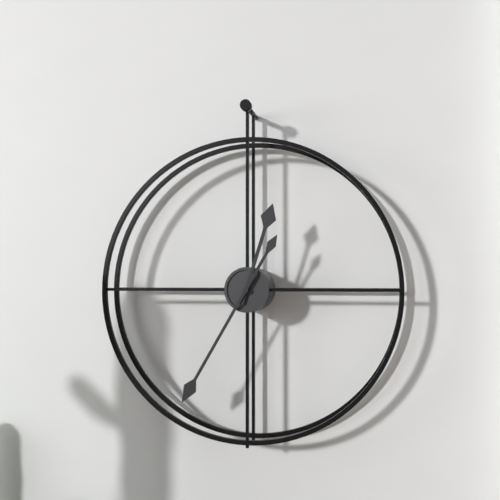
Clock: 12 h 35 min
